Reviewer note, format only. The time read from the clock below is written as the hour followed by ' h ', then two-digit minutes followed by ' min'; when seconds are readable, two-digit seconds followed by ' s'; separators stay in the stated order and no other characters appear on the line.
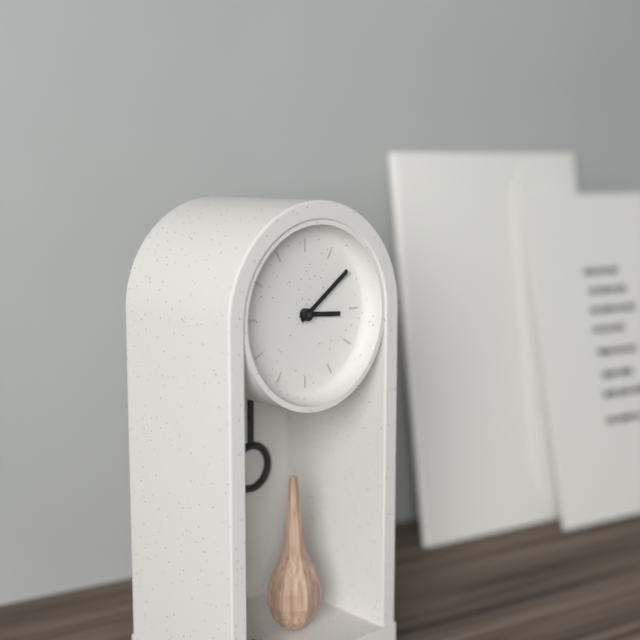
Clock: 3 h 09 min
